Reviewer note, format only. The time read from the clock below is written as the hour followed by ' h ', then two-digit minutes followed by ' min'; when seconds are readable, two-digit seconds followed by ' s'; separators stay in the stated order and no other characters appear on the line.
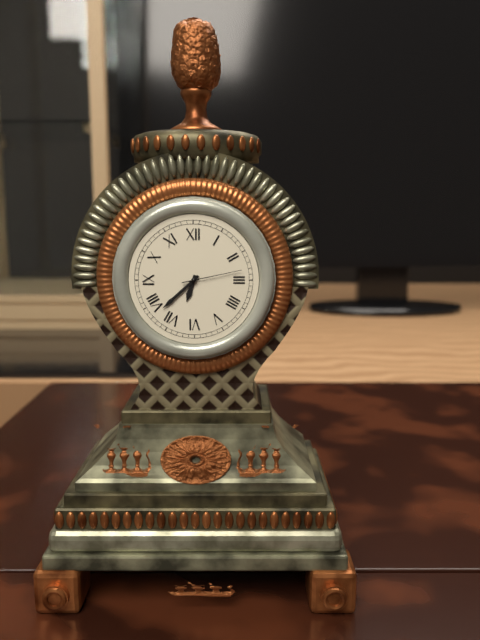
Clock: 6 h 38 min 13 s
